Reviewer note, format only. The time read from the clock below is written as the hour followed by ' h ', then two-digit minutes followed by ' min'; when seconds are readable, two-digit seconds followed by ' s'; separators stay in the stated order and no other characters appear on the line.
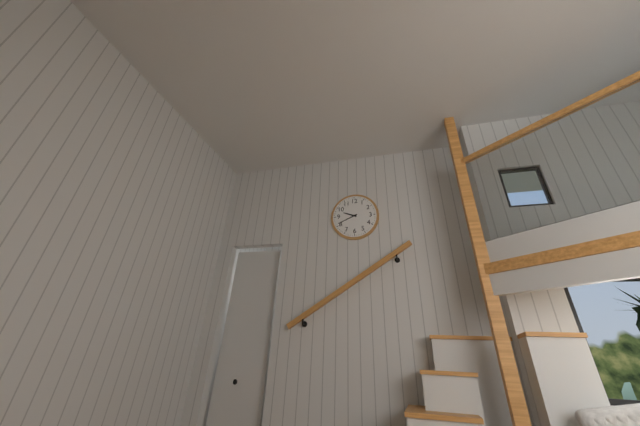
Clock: 9 h 41 min
